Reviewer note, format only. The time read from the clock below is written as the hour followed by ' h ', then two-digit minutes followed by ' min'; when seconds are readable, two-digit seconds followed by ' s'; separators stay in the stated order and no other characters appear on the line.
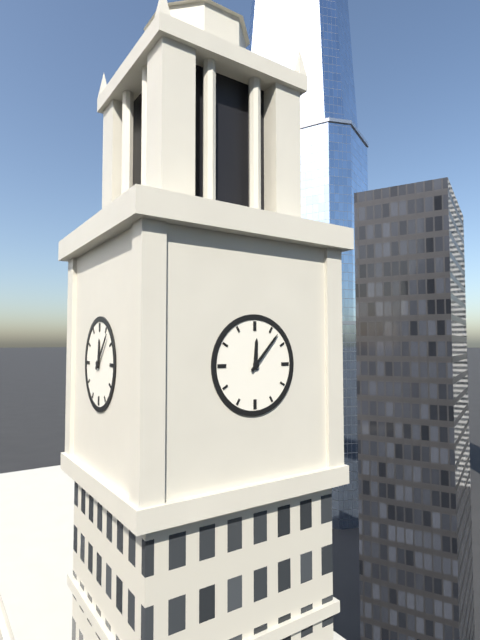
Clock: 12 h 07 min
